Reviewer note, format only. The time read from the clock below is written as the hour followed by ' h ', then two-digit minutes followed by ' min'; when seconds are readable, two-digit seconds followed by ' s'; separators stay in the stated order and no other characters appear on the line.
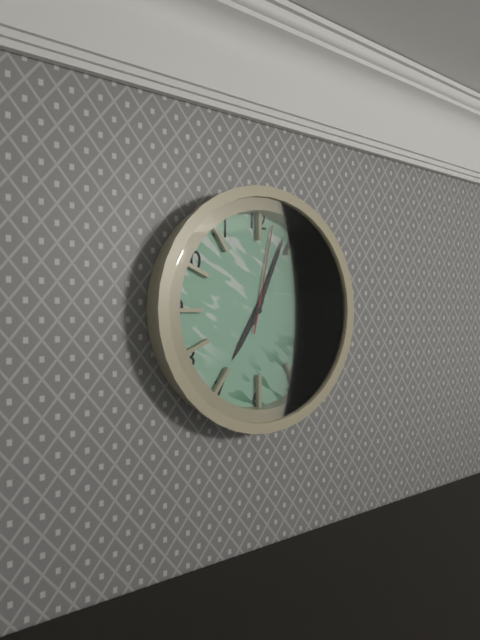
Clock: 7 h 04 min 02 s
